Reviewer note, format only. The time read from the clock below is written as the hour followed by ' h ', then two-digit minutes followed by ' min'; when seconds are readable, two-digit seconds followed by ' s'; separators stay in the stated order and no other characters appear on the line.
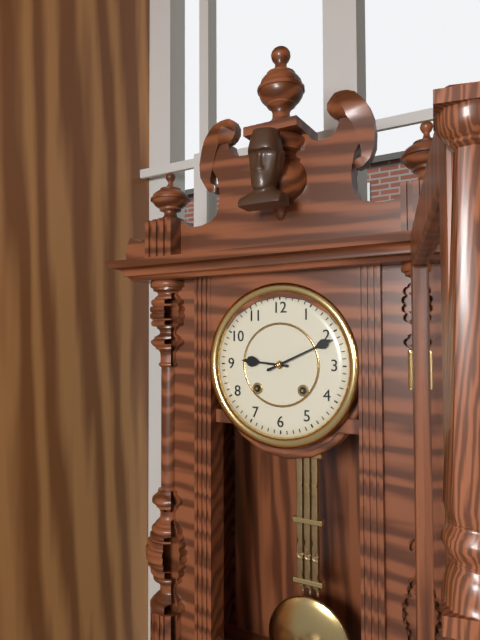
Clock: 9 h 11 min
